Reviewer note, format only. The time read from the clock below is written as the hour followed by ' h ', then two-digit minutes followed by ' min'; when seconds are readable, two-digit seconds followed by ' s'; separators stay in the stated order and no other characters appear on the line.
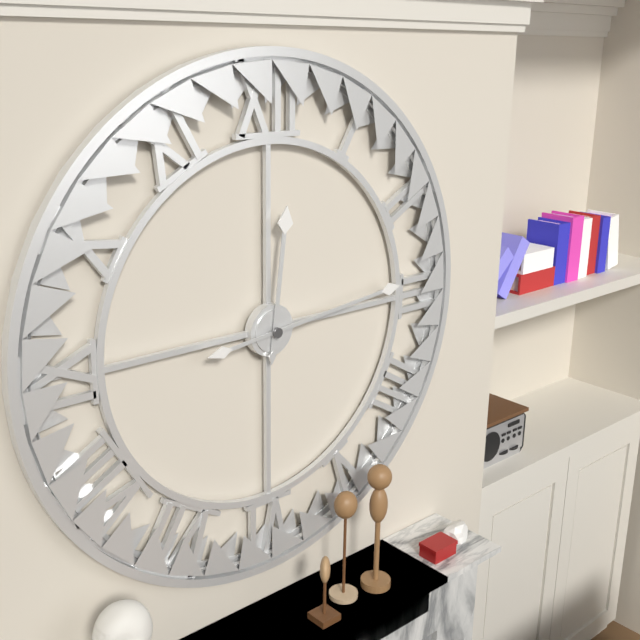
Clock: 12 h 14 min
